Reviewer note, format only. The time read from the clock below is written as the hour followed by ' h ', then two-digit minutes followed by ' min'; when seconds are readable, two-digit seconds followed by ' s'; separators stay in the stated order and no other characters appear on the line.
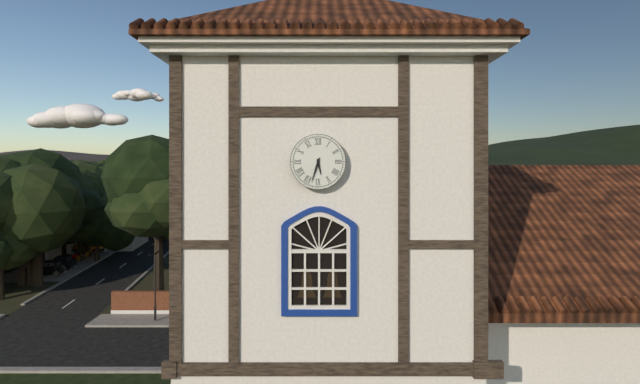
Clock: 5 h 33 min
